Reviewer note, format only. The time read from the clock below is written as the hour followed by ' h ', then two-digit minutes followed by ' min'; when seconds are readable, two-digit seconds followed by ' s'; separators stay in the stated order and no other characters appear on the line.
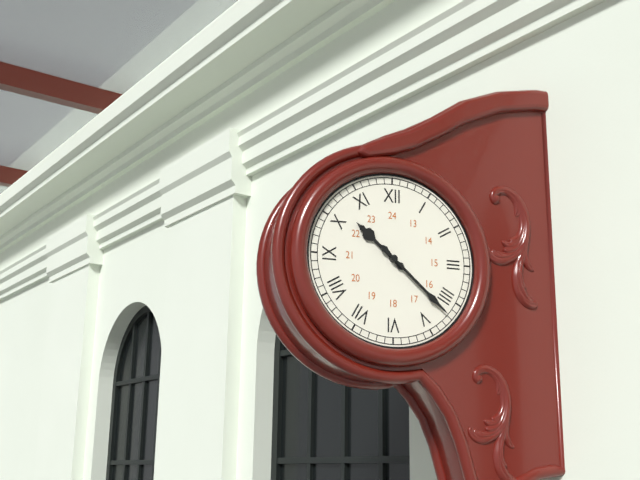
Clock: 10 h 22 min
